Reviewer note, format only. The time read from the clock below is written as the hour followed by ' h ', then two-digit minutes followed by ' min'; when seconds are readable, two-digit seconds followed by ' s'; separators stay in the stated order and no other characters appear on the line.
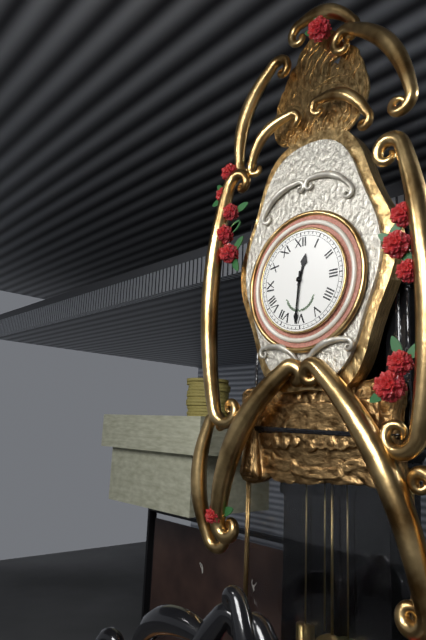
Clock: 12 h 31 min
